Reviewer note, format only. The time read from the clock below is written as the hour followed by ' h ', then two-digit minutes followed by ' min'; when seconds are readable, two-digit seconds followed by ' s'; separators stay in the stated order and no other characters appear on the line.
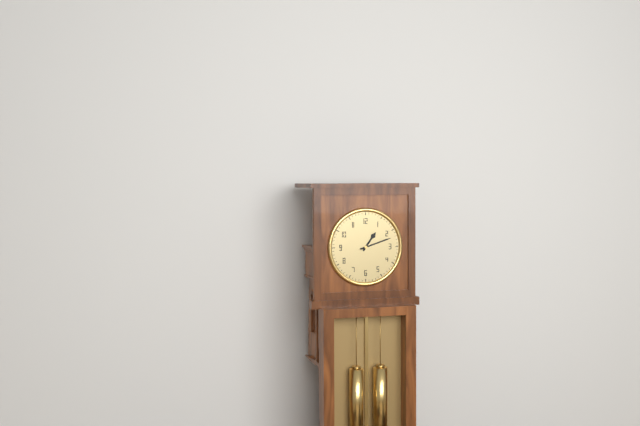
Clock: 1 h 12 min
